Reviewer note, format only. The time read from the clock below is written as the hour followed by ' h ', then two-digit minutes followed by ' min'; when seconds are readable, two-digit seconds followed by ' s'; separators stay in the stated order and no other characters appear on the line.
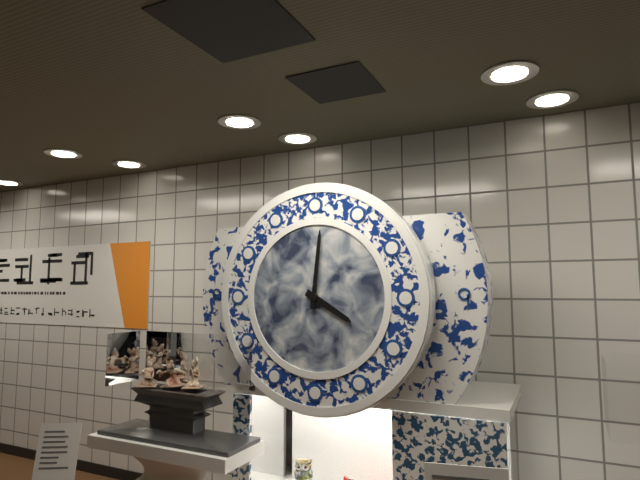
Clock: 4 h 01 min
